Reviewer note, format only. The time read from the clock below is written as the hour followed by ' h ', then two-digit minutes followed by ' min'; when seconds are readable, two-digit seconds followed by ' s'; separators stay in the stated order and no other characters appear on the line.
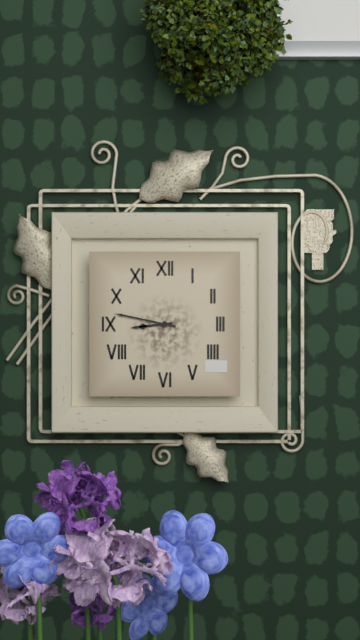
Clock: 8 h 47 min
